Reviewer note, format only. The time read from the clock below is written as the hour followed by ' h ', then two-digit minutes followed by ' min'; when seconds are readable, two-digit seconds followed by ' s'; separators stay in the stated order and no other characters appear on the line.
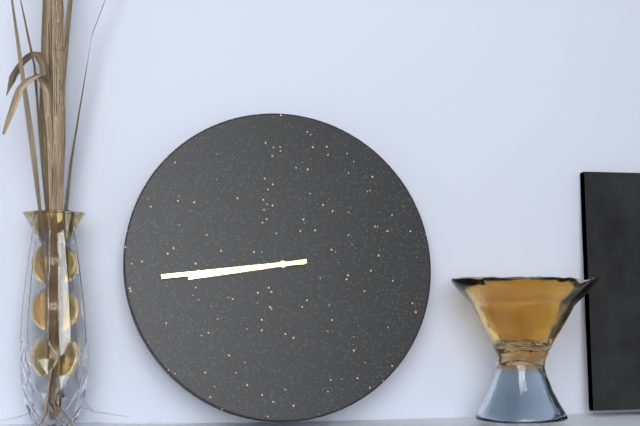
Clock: 8 h 44 min
